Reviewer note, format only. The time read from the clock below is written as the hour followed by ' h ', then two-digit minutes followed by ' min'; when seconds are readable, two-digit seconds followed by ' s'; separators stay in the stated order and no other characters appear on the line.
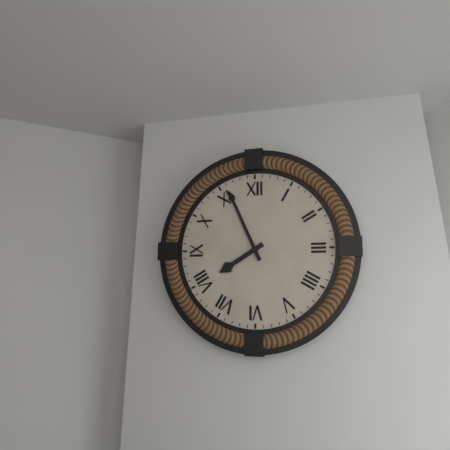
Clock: 7 h 56 min
